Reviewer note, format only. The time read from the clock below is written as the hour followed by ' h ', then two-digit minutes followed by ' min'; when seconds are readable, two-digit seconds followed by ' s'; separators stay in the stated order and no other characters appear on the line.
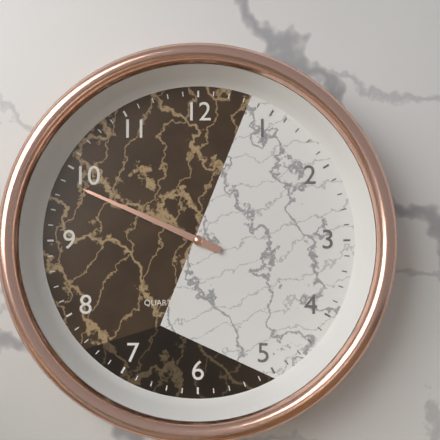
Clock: 9 h 49 min
